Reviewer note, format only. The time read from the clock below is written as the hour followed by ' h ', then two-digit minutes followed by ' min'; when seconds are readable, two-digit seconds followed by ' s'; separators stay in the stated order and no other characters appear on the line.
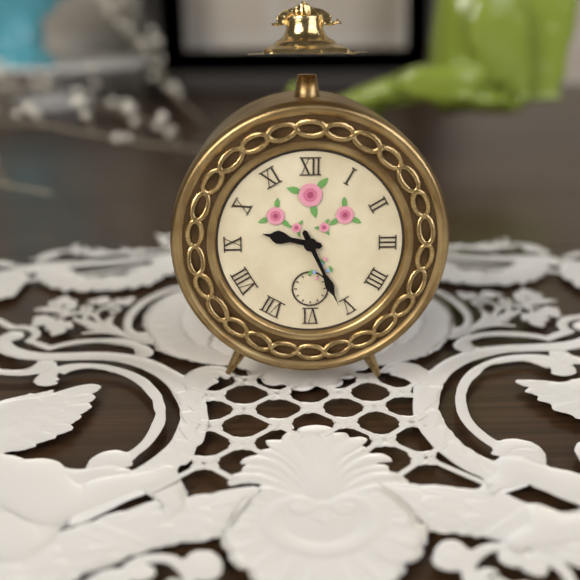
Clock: 9 h 26 min
